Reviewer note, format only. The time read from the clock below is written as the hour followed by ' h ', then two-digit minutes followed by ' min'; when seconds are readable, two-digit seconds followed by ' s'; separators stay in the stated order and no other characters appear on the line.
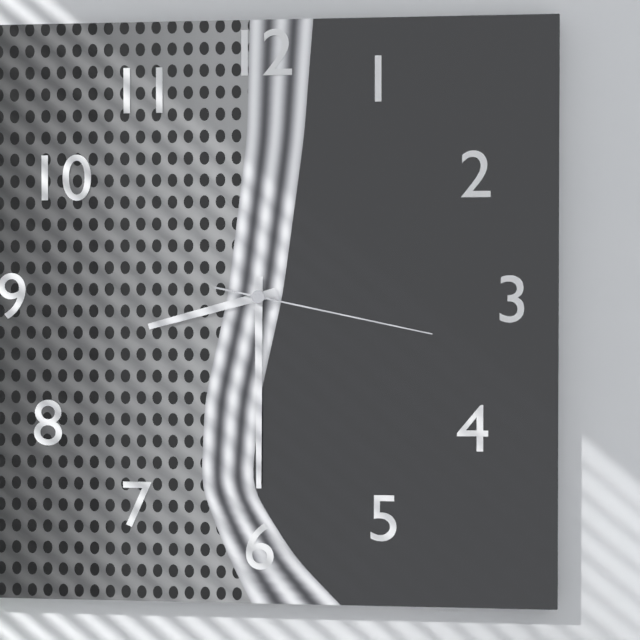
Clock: 8 h 30 min 17 s
